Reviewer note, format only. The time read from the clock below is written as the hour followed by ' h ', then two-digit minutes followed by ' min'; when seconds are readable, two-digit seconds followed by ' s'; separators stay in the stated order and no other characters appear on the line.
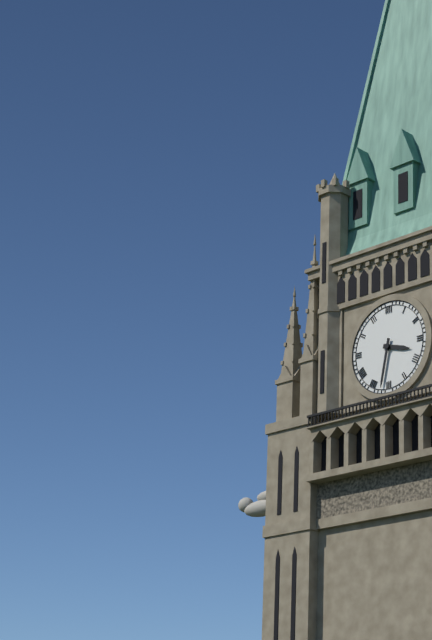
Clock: 3 h 32 min
